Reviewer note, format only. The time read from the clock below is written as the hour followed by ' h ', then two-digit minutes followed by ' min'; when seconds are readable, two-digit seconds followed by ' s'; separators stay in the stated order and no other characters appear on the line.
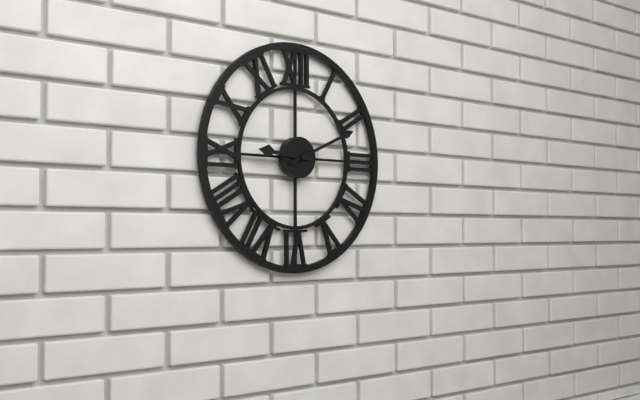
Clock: 9 h 11 min
